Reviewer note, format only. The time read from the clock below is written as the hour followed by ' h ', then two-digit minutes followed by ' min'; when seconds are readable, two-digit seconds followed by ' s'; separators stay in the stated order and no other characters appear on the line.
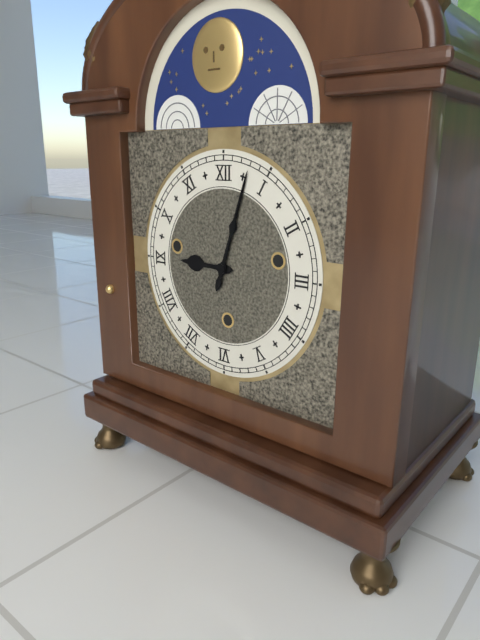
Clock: 9 h 03 min
